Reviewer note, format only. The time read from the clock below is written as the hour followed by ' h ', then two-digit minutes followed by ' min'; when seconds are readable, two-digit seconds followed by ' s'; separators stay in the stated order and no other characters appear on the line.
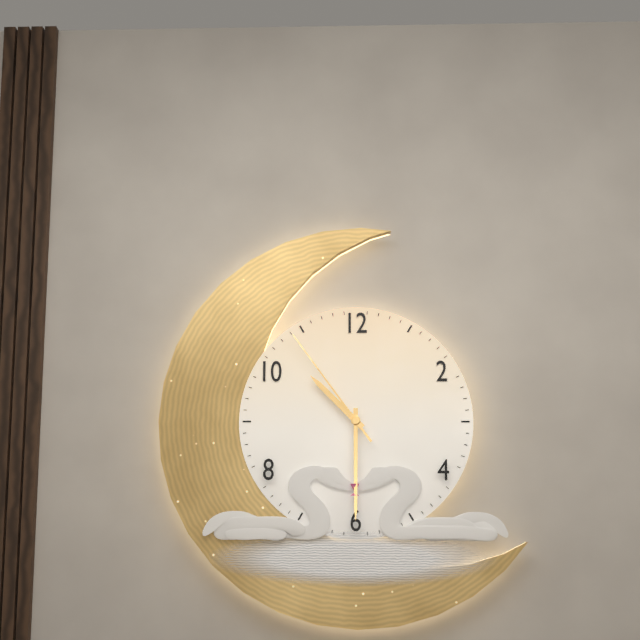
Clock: 10 h 30 min 54 s
